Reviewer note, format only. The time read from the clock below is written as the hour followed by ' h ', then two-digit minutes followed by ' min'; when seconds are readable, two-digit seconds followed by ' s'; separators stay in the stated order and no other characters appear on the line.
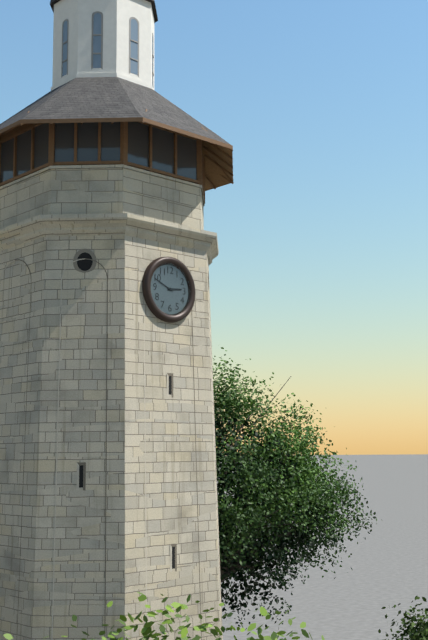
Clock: 2 h 49 min
